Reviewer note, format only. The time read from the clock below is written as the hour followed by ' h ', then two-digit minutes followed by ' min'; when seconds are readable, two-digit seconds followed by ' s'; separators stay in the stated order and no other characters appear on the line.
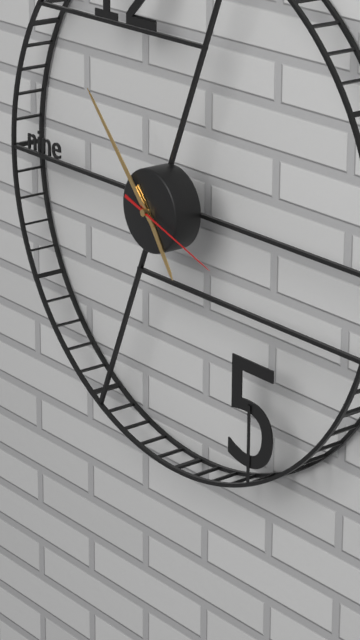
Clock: 4 h 53 min 18 s
